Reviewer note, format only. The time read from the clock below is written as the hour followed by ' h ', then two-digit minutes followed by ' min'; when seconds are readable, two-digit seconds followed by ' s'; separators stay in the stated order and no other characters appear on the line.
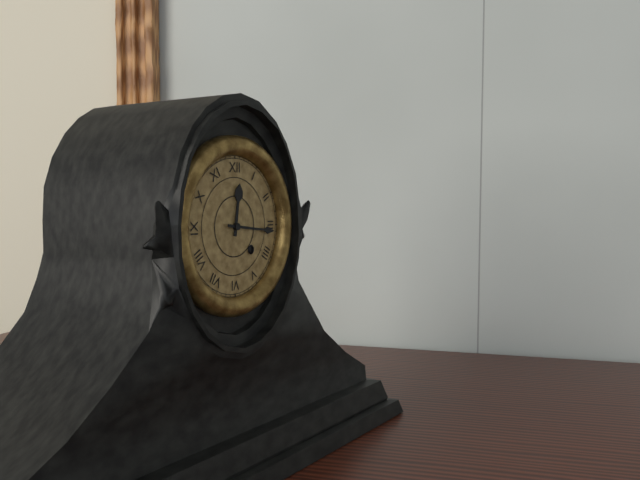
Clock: 12 h 16 min
